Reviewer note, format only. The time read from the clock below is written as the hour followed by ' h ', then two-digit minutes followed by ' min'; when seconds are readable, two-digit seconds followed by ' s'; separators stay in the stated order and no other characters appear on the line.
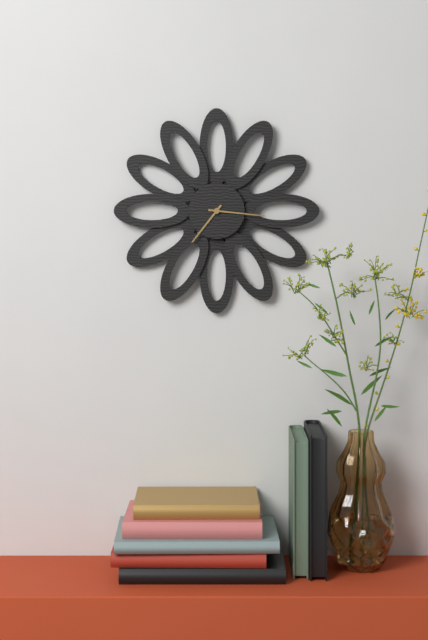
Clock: 7 h 16 min
